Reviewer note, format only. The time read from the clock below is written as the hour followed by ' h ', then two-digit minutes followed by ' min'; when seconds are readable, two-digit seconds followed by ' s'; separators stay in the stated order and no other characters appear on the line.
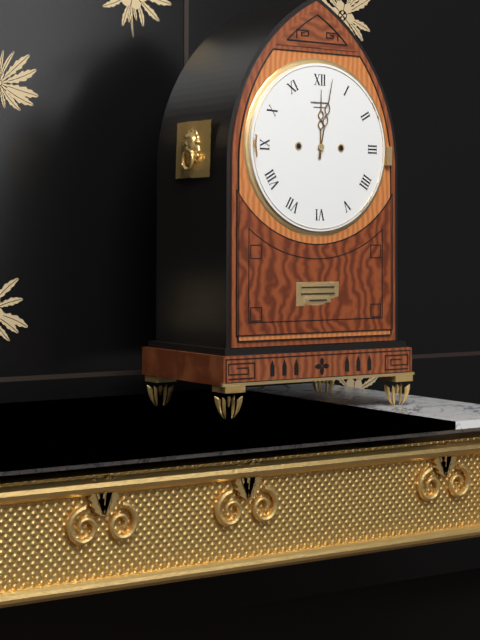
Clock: 12 h 02 min
